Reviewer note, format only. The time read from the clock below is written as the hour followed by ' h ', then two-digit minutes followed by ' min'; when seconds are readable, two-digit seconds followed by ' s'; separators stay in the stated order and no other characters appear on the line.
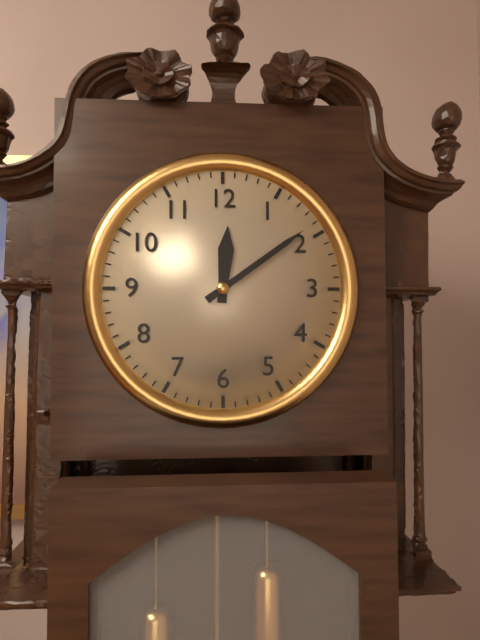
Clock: 12 h 09 min
